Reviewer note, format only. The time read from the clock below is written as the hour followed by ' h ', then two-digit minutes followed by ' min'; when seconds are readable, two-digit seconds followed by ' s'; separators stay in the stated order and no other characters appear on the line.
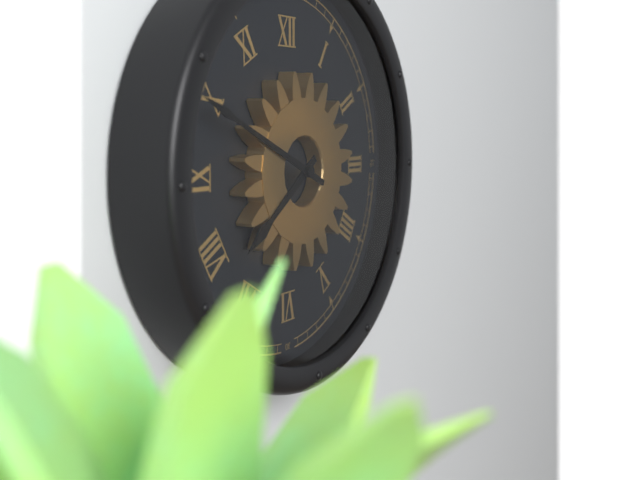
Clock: 7 h 49 min
